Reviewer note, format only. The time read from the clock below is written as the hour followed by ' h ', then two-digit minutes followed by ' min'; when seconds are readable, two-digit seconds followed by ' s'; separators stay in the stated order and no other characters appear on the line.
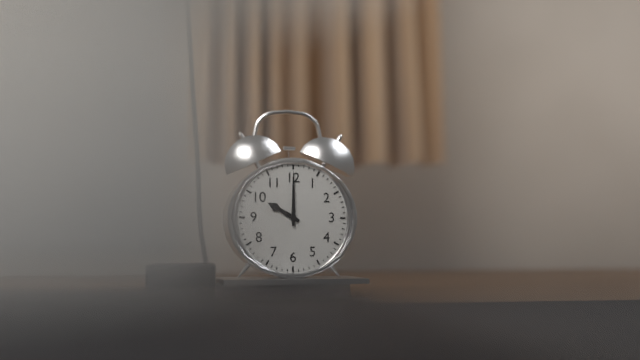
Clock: 10 h 00 min
